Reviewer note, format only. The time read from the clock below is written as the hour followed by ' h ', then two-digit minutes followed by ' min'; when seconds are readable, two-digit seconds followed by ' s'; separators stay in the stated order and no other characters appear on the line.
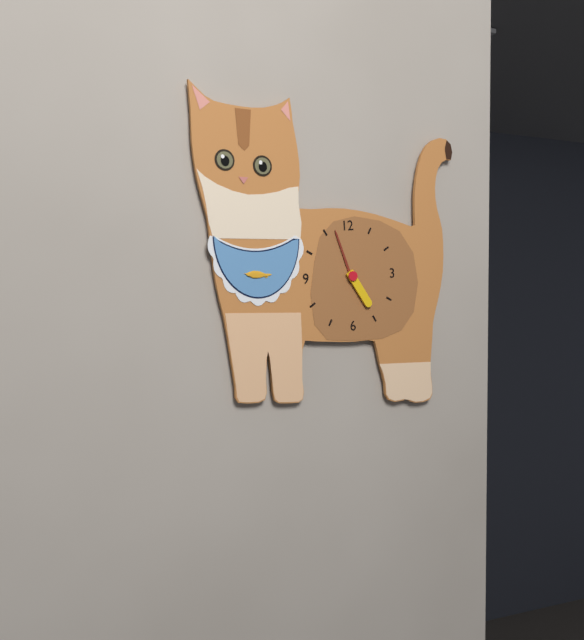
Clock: 4 h 57 min
